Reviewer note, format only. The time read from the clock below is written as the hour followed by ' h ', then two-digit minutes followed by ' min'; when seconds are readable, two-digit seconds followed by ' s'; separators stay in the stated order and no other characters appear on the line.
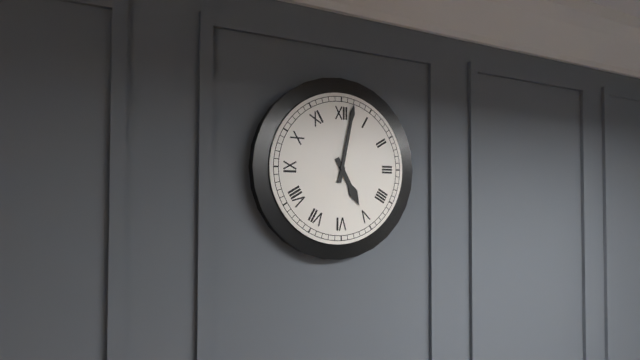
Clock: 5 h 02 min
